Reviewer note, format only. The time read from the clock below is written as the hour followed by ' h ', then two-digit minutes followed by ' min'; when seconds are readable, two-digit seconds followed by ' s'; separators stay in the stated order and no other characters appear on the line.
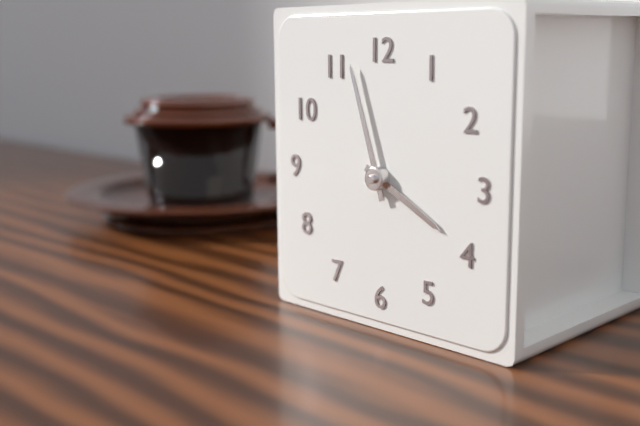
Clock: 3 h 57 min
